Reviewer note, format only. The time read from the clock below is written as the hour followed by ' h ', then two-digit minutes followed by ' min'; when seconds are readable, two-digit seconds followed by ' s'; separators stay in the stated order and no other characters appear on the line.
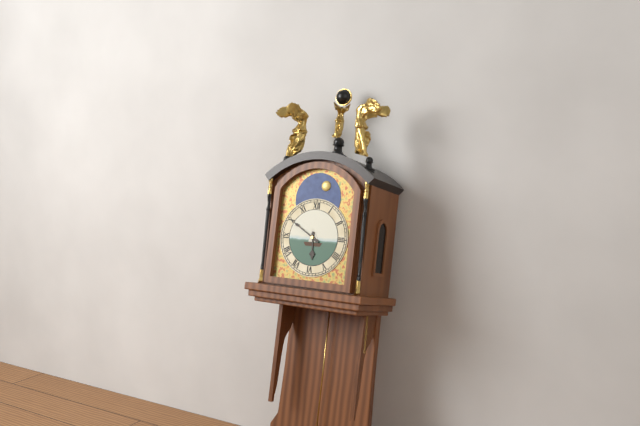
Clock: 5 h 50 min
